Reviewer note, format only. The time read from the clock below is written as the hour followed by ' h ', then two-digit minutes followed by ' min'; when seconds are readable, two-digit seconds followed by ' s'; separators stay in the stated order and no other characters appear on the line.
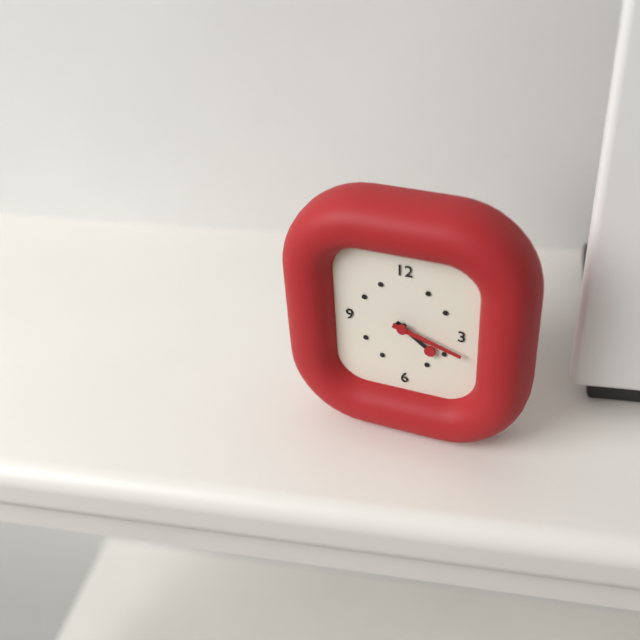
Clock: 4 h 18 min
